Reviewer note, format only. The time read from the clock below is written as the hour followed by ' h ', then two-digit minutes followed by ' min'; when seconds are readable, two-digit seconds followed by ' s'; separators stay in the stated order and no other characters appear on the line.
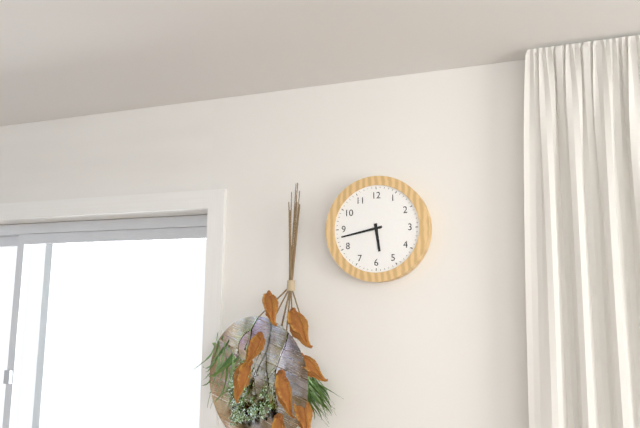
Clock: 5 h 43 min
